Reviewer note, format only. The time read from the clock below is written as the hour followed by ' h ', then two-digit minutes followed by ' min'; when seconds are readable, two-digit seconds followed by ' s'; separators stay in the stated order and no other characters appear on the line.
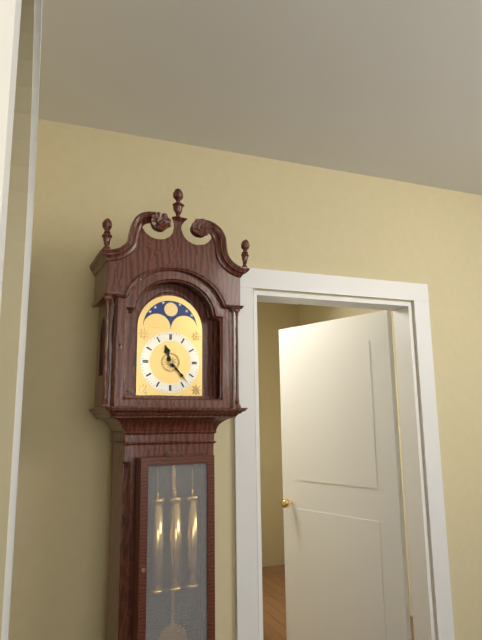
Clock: 11 h 23 min
